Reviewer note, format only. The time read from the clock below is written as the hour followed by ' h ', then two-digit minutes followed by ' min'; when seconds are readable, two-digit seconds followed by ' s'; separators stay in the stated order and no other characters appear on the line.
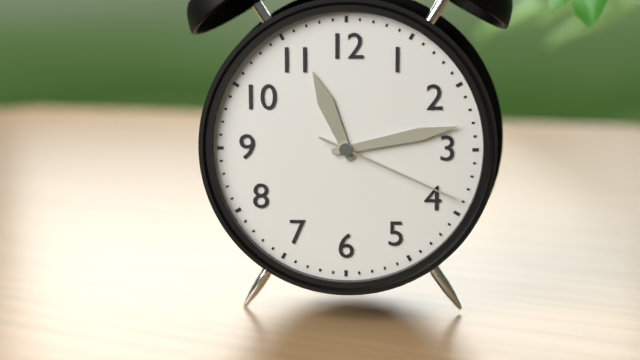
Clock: 11 h 13 min 19 s
